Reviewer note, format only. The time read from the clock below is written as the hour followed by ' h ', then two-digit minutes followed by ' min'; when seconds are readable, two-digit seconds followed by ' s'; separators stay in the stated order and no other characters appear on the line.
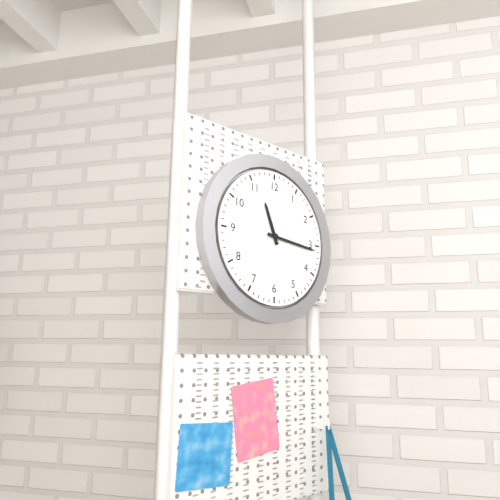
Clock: 11 h 16 min
